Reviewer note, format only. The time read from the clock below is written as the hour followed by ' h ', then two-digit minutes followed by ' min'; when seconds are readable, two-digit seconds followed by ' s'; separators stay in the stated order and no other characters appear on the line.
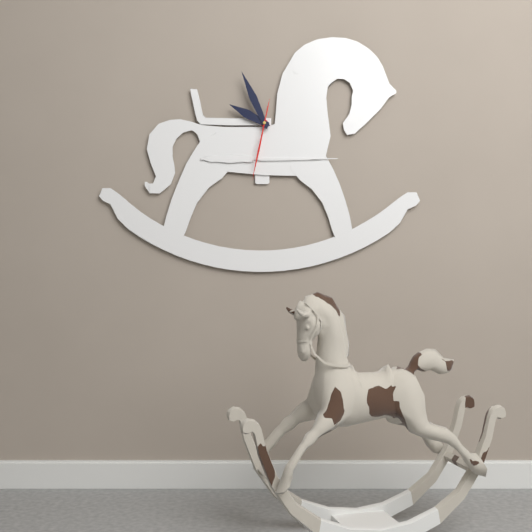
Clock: 9 h 56 min 32 s
